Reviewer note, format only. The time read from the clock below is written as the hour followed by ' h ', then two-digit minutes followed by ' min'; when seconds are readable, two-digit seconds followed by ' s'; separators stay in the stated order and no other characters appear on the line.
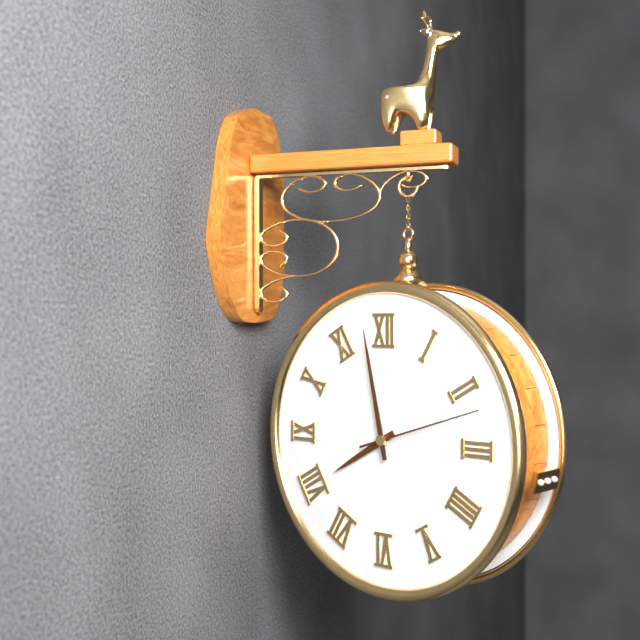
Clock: 7 h 58 min 12 s
